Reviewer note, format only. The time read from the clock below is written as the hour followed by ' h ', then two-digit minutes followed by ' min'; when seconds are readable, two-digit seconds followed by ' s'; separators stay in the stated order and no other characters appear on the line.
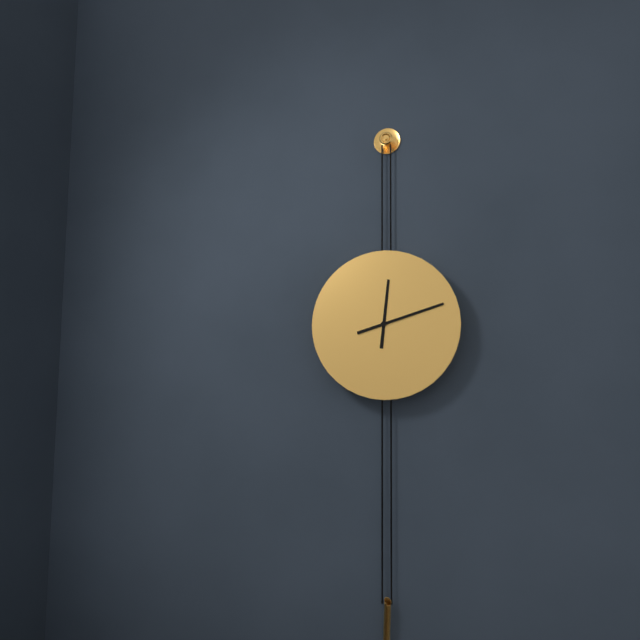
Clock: 12 h 12 min
